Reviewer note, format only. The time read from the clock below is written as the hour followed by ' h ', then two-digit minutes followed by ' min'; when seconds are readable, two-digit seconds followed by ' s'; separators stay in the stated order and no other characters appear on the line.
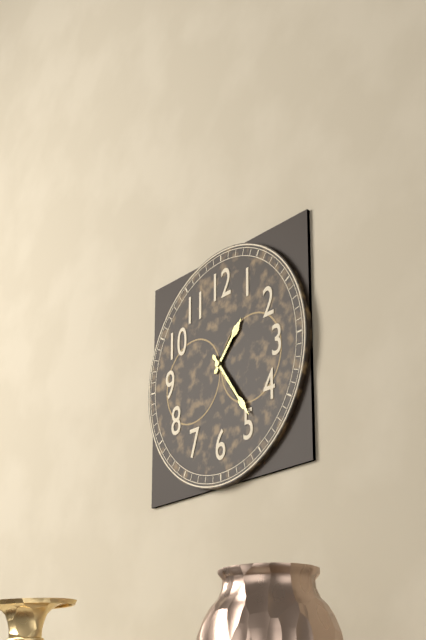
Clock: 1 h 24 min
